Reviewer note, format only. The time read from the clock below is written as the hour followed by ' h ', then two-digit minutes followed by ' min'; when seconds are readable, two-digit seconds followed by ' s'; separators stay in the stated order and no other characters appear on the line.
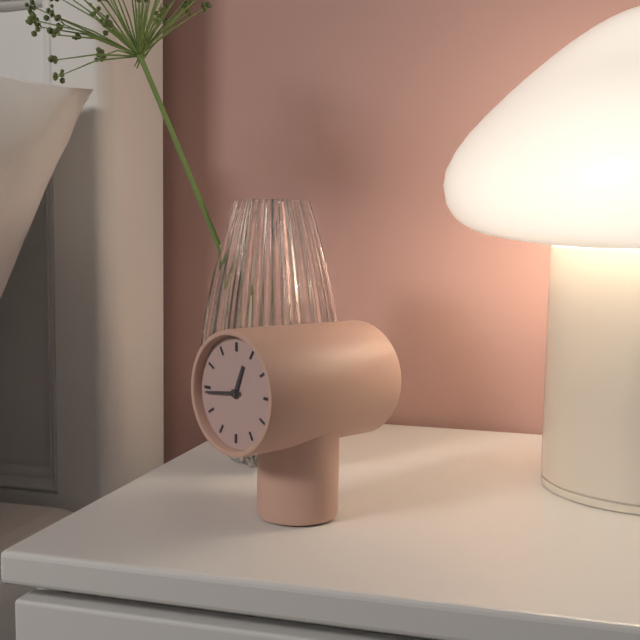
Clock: 12 h 44 min
